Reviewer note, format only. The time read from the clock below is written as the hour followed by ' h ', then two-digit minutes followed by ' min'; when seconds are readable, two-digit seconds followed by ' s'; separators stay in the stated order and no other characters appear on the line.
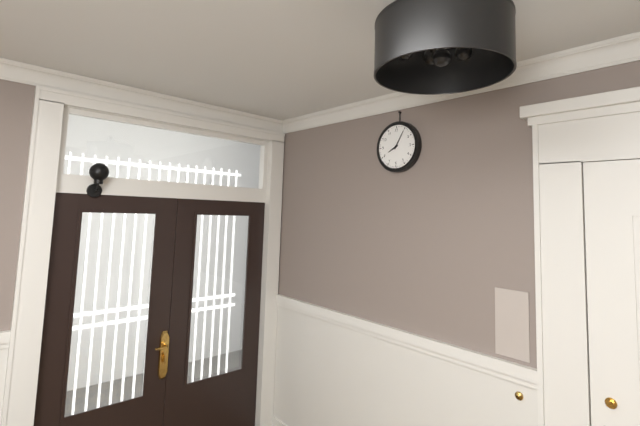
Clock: 8 h 05 min
